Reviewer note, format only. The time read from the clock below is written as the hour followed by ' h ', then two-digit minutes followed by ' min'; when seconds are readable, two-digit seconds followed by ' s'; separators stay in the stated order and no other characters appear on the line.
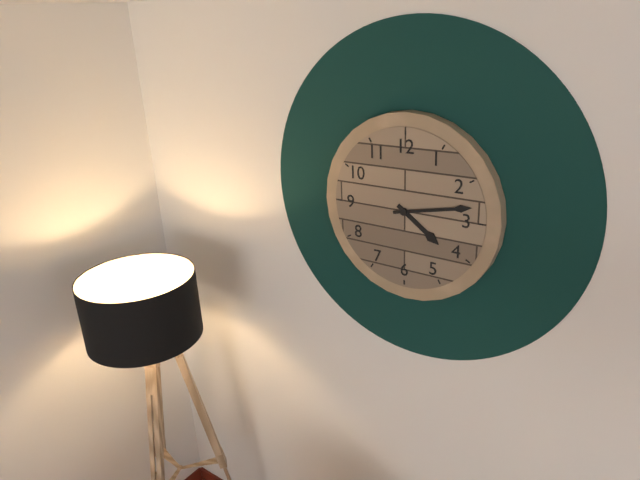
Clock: 4 h 13 min
